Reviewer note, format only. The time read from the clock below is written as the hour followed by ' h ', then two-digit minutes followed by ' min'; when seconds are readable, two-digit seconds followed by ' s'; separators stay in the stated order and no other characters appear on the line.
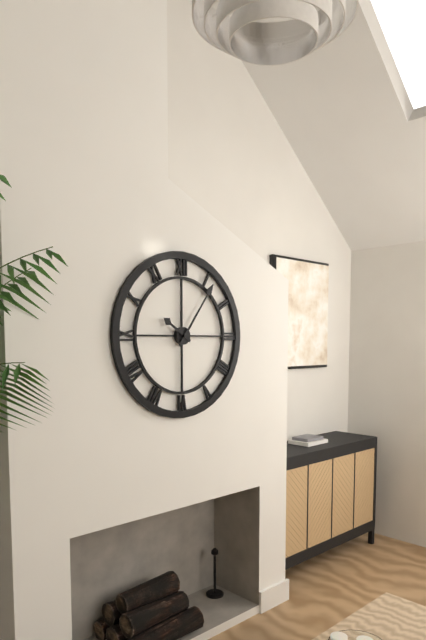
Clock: 10 h 06 min
